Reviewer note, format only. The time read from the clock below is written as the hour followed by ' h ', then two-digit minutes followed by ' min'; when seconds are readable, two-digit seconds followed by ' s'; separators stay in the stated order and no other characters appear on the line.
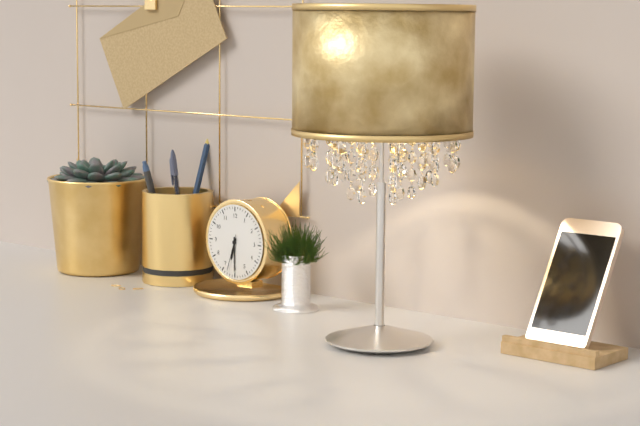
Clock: 6 h 30 min
